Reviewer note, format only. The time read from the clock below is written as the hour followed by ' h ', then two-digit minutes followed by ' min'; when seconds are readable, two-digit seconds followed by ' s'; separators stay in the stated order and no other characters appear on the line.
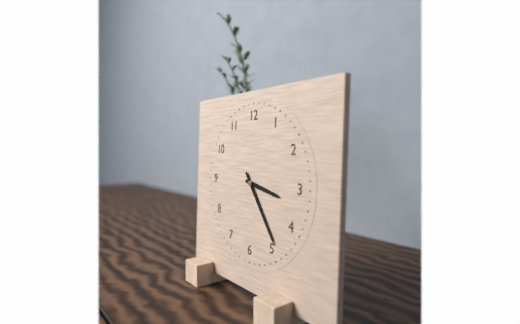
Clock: 3 h 24 min
